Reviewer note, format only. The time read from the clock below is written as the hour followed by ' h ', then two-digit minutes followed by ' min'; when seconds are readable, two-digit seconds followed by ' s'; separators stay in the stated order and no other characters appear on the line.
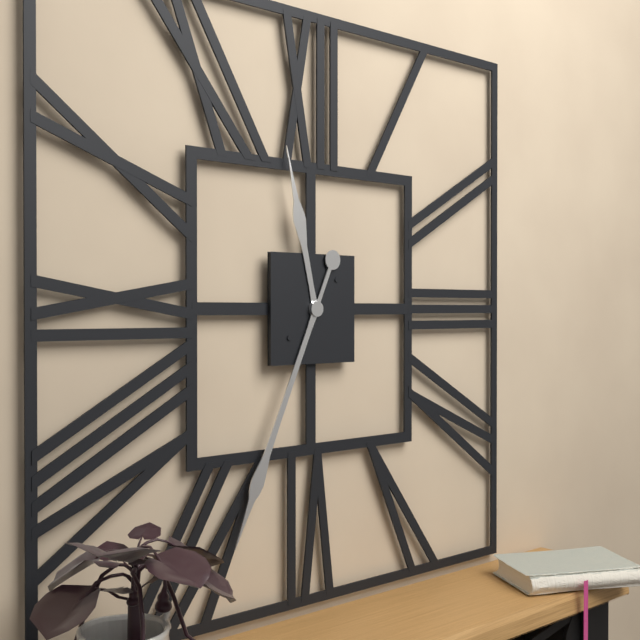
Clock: 11 h 34 min
